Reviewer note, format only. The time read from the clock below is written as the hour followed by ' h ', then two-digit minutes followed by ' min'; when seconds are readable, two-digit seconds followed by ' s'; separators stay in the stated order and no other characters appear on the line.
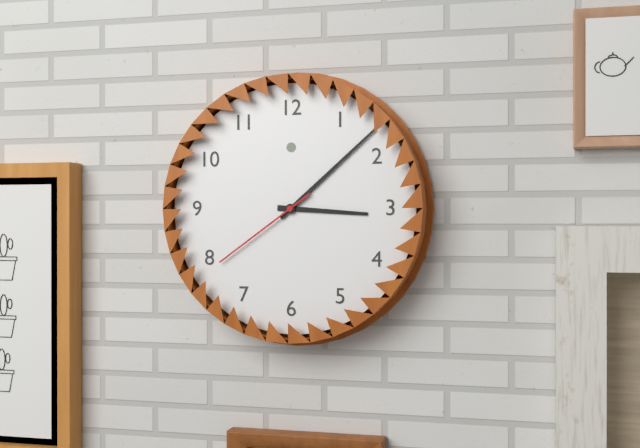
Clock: 3 h 08 min 39 s
